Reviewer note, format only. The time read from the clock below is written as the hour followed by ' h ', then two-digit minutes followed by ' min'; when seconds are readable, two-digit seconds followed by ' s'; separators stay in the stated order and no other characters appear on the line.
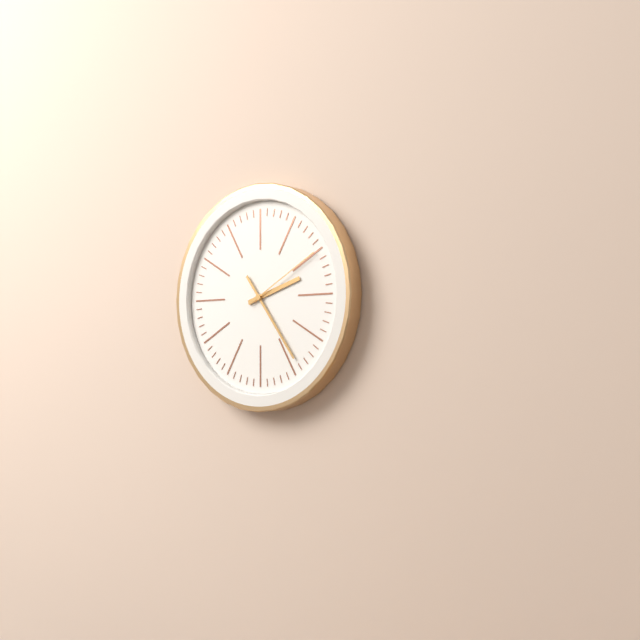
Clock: 2 h 24 min 10 s
